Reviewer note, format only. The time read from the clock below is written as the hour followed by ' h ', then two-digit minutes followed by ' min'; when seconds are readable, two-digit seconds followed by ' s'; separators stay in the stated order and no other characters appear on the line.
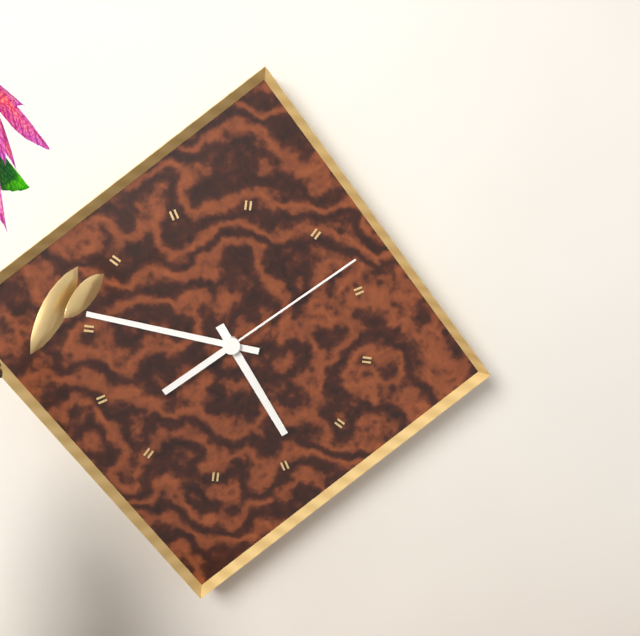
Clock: 4 h 46 min 08 s
